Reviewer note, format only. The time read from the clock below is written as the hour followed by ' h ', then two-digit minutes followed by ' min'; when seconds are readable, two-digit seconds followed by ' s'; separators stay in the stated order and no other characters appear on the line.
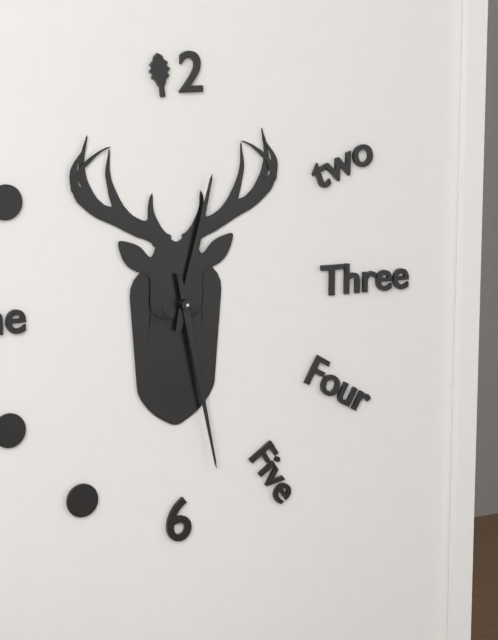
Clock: 12 h 28 min
